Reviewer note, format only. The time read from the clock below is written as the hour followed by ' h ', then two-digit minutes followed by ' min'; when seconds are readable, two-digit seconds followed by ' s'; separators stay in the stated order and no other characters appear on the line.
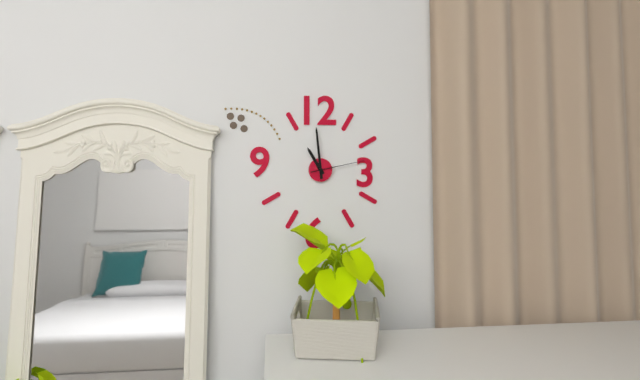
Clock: 10 h 59 min 13 s
